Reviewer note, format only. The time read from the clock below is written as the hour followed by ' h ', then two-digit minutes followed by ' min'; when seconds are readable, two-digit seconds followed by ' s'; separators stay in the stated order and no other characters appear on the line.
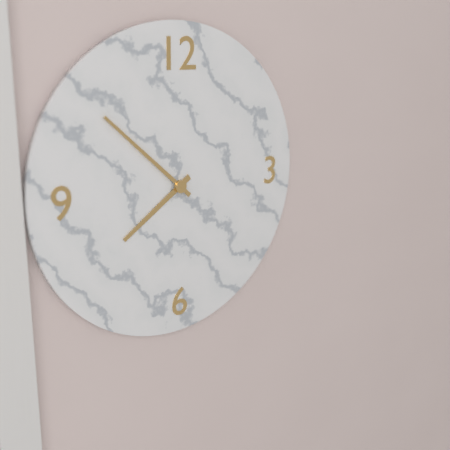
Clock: 7 h 52 min
